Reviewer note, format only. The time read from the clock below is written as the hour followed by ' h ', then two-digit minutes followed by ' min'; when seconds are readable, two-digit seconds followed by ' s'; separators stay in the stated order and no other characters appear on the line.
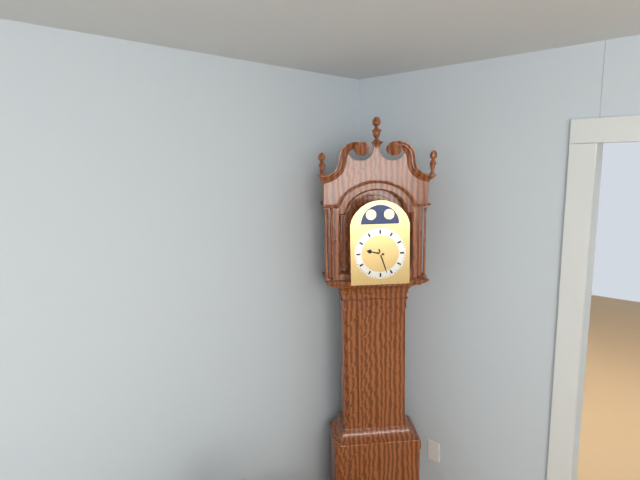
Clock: 9 h 27 min
